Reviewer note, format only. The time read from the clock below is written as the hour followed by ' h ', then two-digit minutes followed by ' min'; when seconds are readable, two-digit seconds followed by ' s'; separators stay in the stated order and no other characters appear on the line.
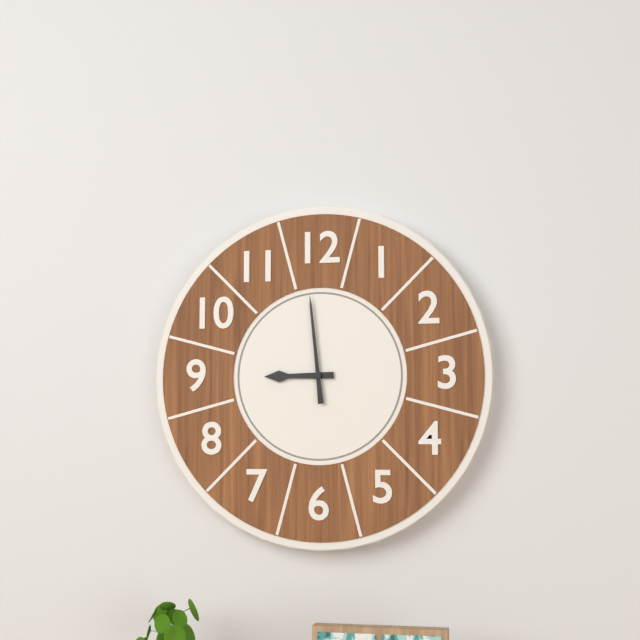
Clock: 8 h 59 min
